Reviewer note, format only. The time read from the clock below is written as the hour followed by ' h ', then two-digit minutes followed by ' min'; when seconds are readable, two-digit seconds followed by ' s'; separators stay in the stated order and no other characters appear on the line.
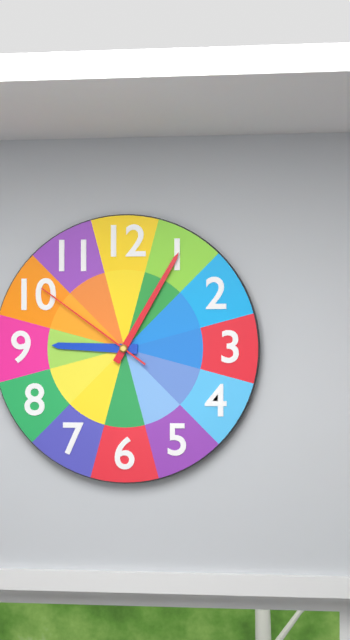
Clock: 9 h 05 min 51 s
